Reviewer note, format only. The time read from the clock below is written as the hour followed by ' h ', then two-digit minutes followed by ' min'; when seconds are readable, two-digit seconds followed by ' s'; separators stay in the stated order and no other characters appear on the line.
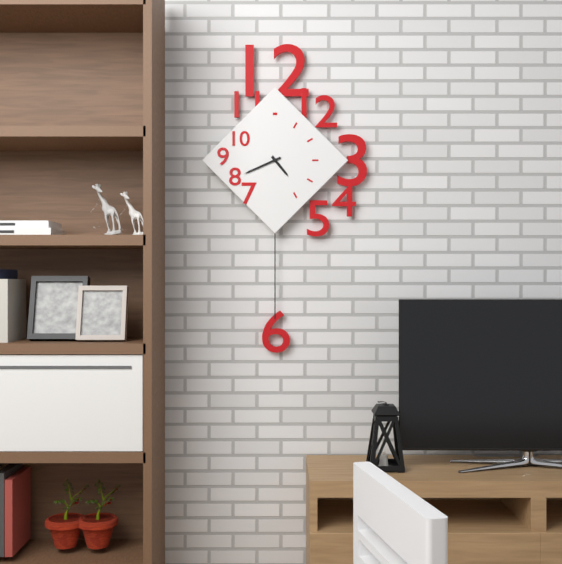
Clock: 4 h 41 min
